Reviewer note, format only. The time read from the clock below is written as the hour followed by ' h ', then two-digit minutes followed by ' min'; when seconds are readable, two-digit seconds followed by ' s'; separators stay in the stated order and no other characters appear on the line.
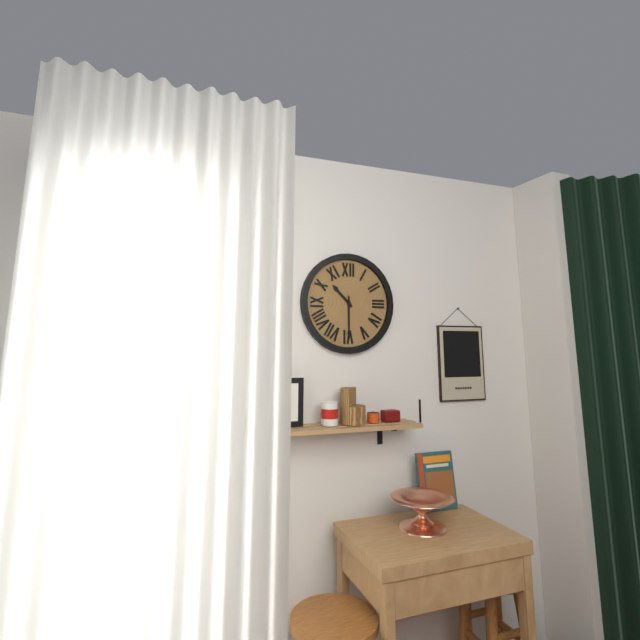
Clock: 10 h 30 min
